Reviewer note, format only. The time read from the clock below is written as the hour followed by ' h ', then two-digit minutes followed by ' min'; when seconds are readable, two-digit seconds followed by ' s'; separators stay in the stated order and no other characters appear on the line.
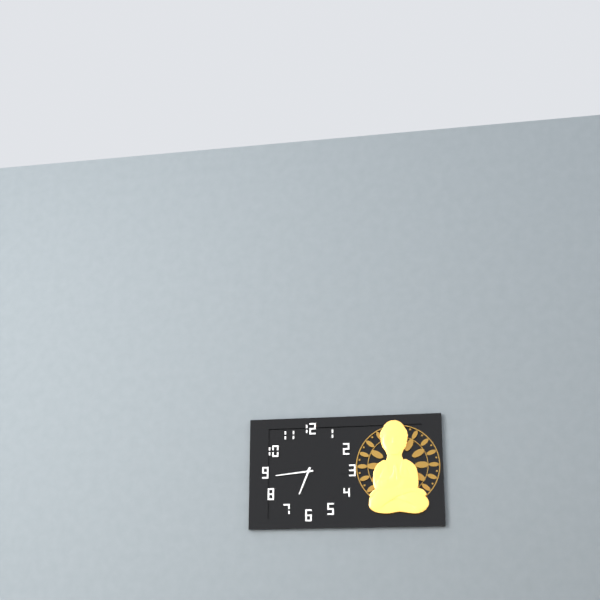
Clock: 6 h 44 min
